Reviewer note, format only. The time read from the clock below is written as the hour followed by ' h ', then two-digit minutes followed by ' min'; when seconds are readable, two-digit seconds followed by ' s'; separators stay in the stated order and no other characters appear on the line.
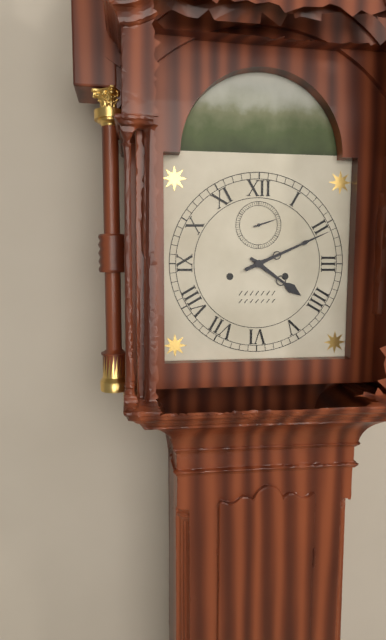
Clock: 4 h 11 min
